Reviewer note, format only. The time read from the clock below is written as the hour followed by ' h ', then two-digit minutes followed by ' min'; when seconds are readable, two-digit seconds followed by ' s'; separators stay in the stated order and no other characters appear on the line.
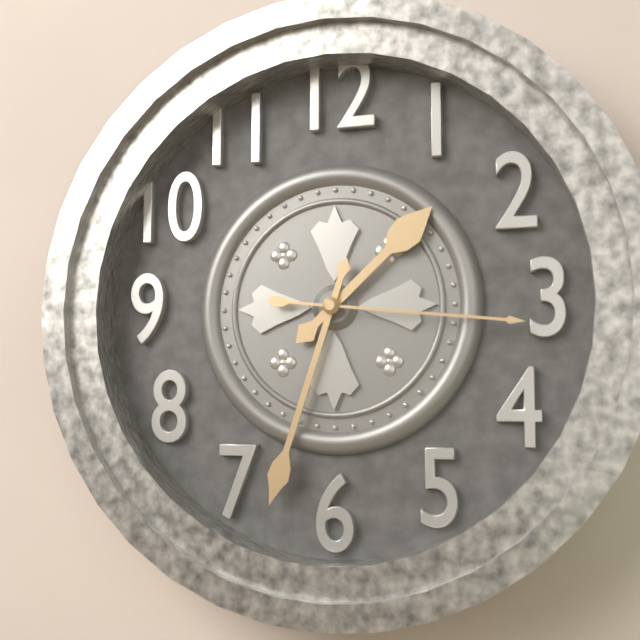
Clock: 1 h 33 min 16 s
